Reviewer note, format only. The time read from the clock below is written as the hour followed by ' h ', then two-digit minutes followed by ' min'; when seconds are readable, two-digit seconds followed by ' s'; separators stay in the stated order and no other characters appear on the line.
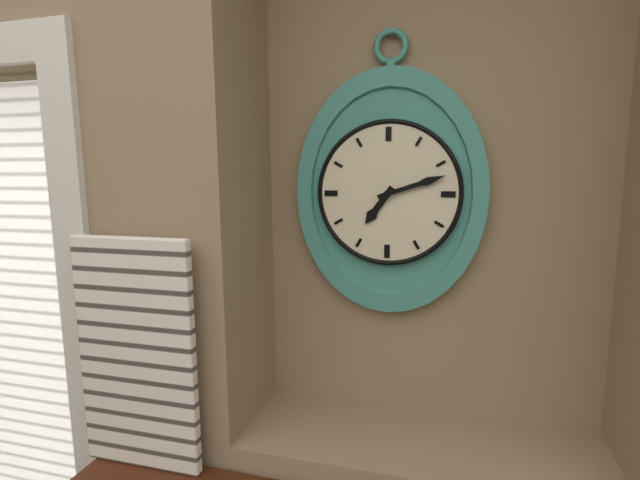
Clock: 7 h 12 min
